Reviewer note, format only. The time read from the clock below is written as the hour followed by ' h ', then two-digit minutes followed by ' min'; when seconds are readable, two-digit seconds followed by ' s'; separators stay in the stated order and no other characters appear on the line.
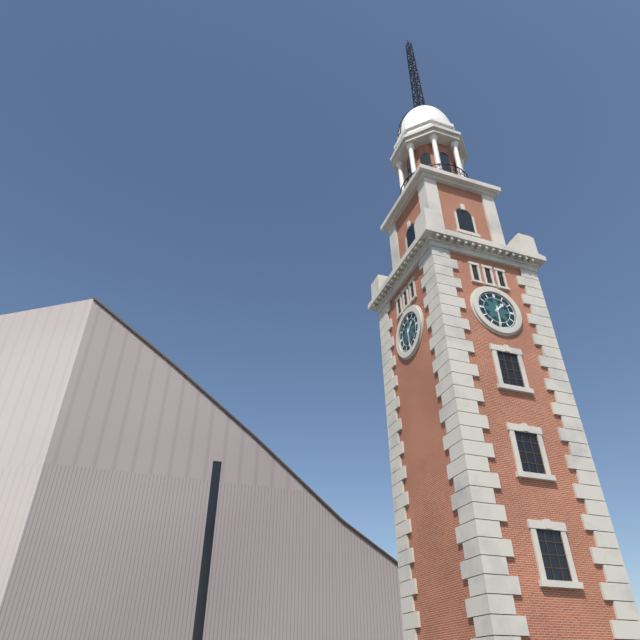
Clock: 1 h 30 min
